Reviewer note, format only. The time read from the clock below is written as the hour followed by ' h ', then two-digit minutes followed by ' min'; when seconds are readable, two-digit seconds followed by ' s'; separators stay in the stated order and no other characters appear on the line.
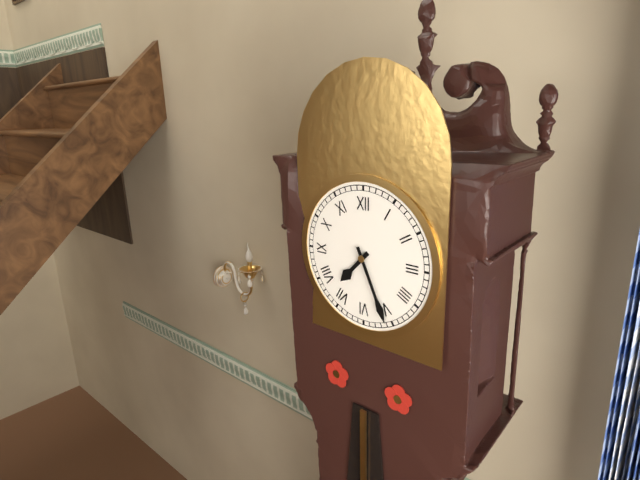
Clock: 7 h 26 min
